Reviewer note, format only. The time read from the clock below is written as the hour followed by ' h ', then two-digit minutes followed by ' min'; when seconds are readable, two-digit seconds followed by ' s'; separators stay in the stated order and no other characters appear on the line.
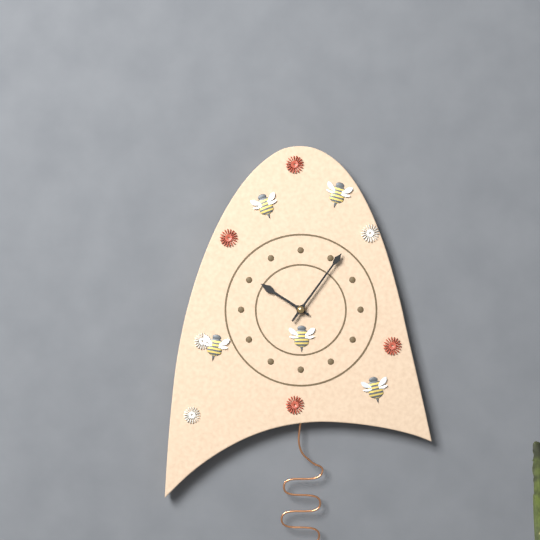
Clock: 10 h 06 min
